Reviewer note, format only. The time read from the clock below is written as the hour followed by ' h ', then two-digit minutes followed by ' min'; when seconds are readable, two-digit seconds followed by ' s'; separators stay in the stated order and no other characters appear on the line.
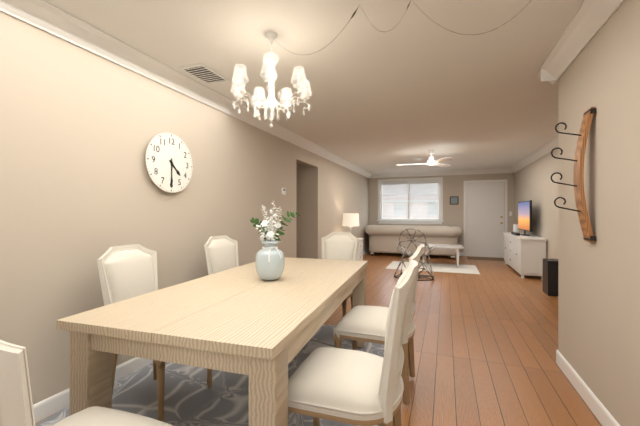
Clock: 4 h 30 min
